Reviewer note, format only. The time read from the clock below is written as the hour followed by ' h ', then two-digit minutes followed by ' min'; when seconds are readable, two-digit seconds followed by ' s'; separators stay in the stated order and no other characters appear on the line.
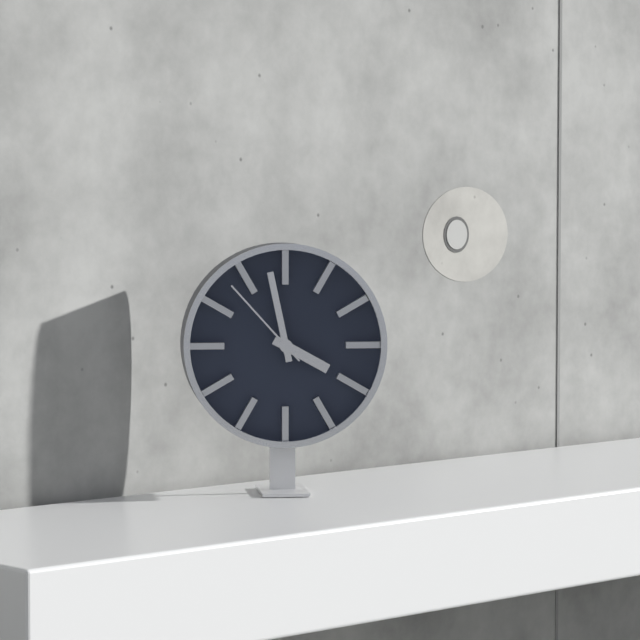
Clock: 3 h 58 min 53 s
